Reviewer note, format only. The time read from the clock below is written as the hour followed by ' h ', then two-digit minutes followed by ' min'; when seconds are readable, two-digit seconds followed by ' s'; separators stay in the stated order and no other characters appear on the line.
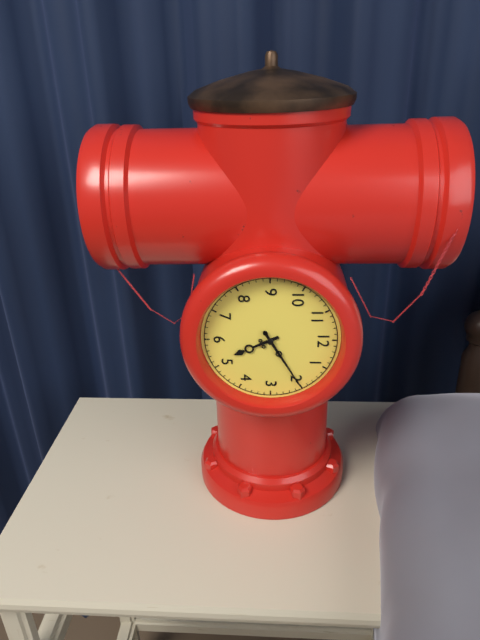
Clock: 5 h 10 min
